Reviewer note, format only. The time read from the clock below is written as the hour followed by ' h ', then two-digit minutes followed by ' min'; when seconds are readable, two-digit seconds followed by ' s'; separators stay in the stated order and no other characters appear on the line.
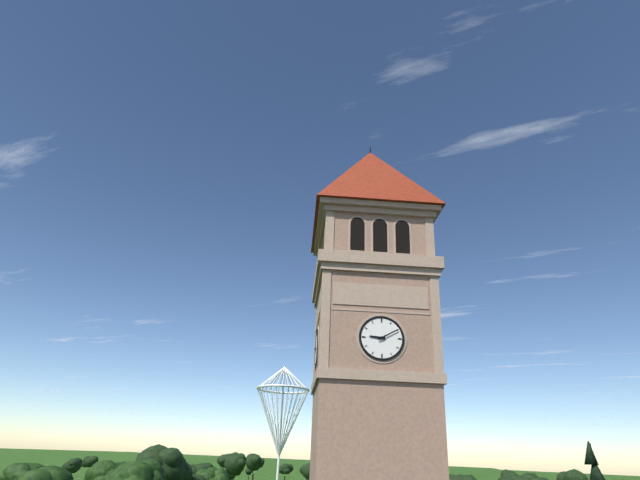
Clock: 9 h 10 min
